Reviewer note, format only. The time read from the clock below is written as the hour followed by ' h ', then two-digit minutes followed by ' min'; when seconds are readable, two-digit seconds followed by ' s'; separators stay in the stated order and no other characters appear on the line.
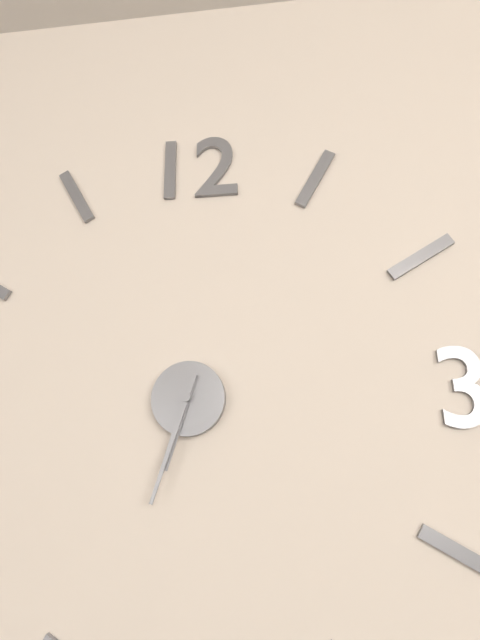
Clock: 6 h 33 min
